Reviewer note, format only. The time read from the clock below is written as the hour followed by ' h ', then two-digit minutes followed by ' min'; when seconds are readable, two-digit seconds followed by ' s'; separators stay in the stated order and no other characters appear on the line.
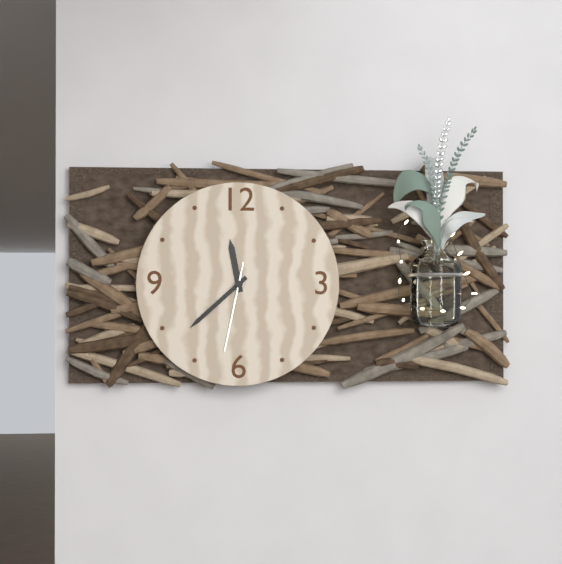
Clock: 11 h 38 min 32 s
